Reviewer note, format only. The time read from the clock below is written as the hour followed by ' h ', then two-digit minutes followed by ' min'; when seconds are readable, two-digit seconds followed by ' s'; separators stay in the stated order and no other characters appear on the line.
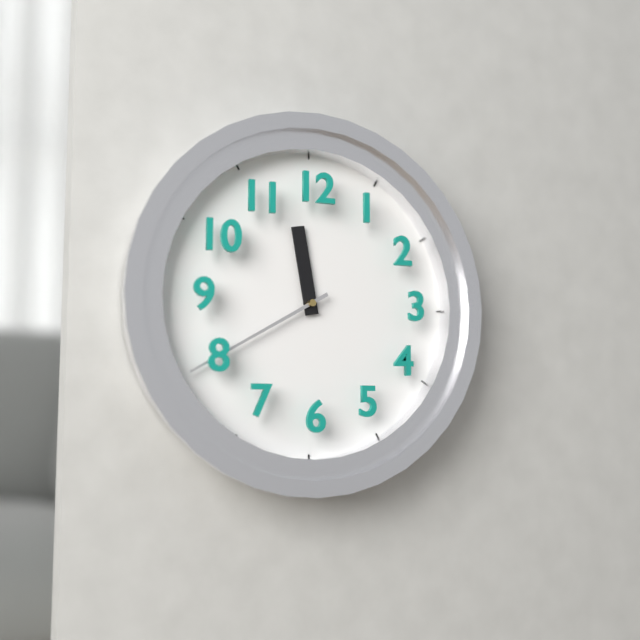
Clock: 11 h 40 min
